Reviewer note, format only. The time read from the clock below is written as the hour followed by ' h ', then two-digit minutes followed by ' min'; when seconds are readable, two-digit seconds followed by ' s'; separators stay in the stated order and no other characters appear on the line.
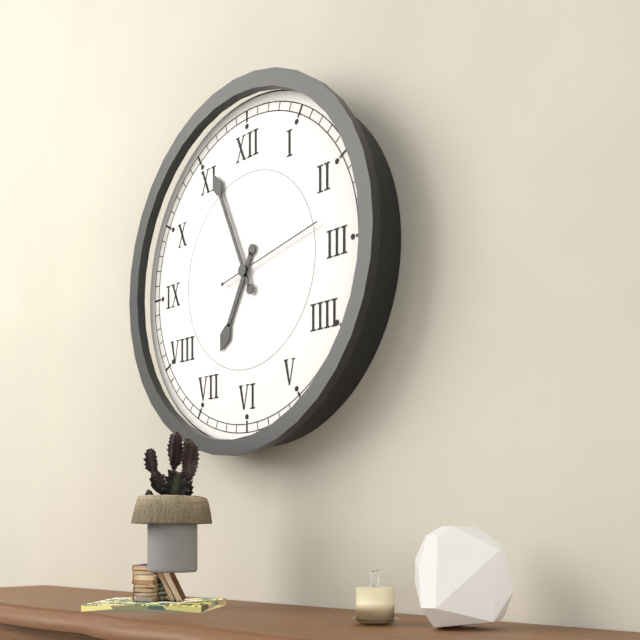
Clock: 6 h 56 min 13 s
